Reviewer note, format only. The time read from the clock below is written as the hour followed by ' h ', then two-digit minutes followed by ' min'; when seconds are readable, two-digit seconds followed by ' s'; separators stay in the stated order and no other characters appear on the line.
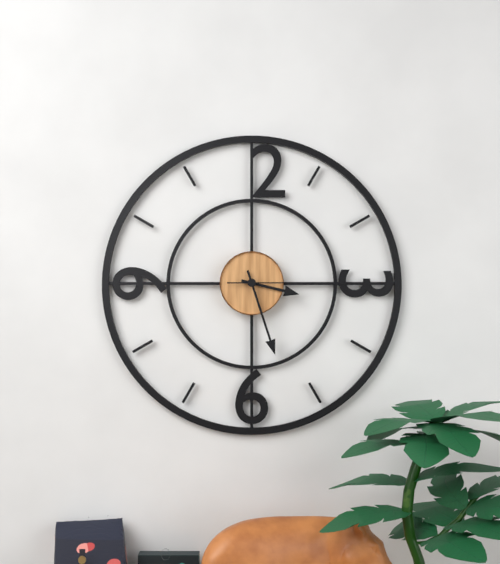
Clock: 3 h 27 min 15 s
